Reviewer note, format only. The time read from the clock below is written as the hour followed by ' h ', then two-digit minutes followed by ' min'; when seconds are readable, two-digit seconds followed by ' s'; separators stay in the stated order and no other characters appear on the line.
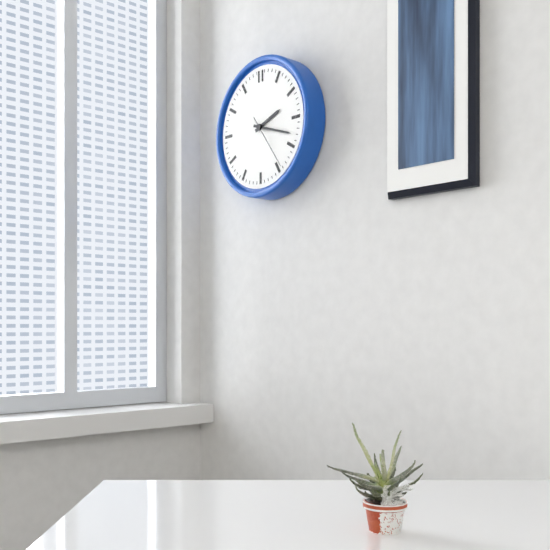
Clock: 2 h 18 min 24 s
